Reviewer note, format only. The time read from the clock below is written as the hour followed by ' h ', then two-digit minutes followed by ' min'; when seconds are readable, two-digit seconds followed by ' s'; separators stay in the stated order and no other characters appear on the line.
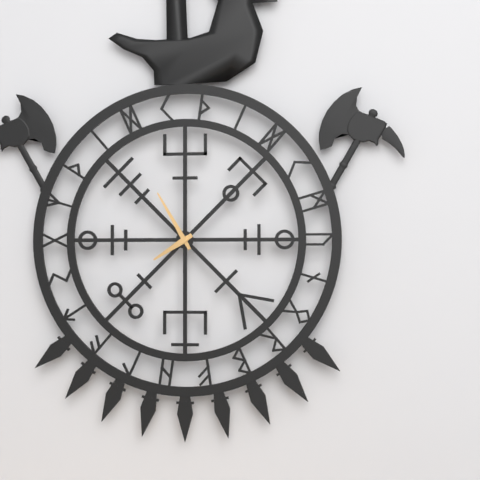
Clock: 7 h 55 min
